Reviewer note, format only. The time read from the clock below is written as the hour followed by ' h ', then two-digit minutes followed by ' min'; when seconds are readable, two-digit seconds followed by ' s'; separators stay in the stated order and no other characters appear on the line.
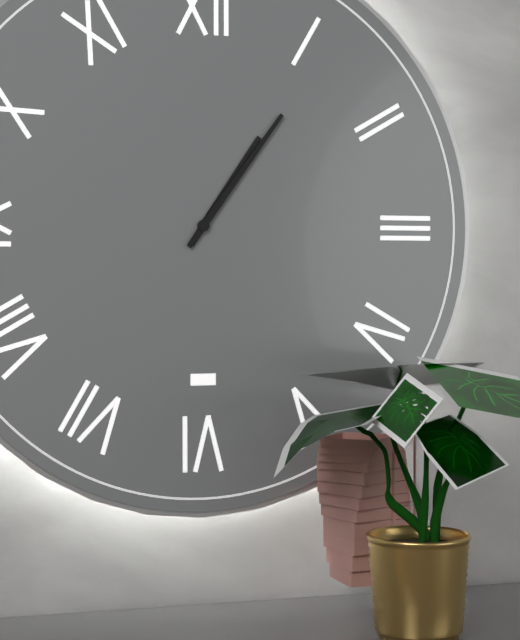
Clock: 1 h 06 min
